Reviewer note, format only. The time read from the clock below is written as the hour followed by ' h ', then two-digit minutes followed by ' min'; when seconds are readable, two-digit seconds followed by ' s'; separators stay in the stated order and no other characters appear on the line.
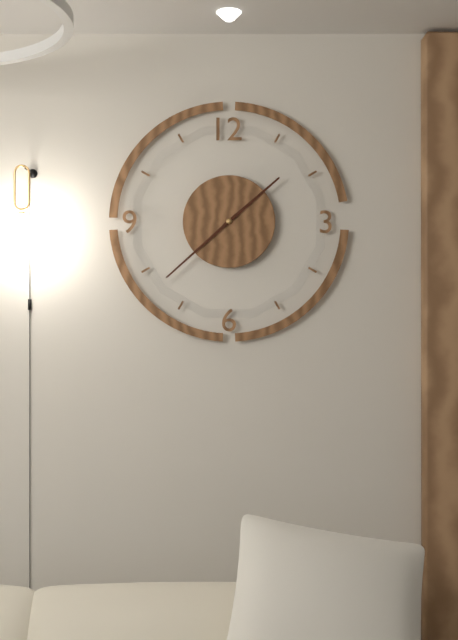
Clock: 1 h 38 min
